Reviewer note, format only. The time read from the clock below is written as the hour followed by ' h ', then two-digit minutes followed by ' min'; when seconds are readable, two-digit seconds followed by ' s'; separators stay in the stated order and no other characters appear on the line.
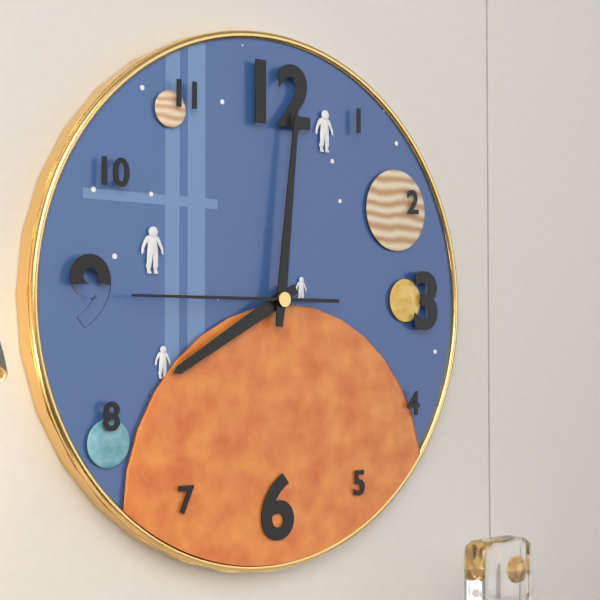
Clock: 8 h 01 min 45 s
